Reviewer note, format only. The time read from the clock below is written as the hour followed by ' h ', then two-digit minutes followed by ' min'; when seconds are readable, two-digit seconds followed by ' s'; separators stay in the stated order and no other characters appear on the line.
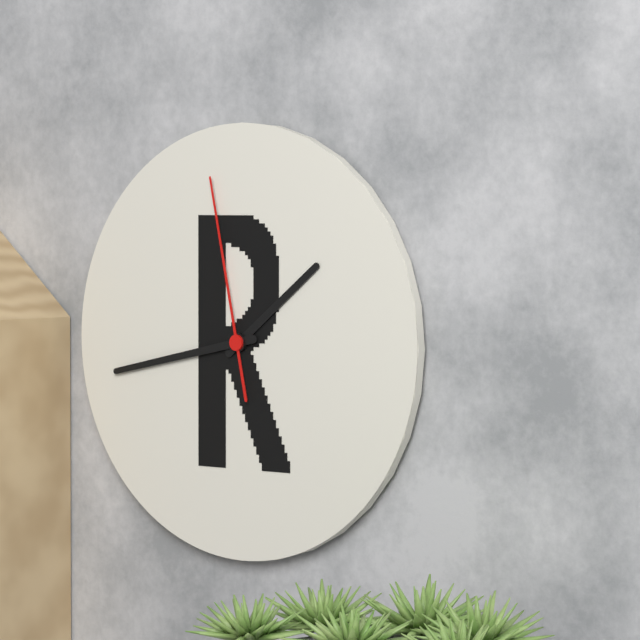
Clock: 1 h 43 min 58 s
